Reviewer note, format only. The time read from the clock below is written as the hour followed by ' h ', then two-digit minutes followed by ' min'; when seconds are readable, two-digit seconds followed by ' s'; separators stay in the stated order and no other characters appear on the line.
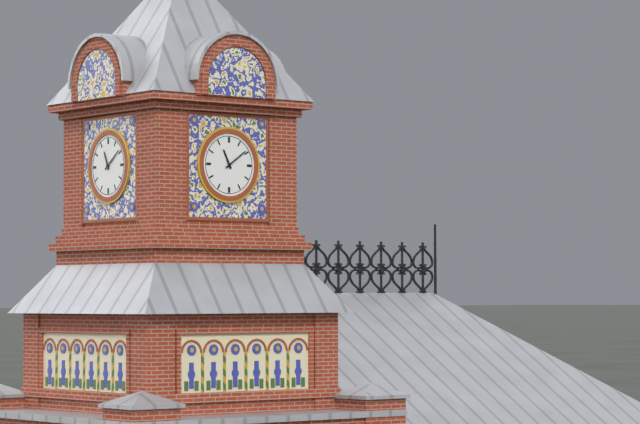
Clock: 11 h 09 min
